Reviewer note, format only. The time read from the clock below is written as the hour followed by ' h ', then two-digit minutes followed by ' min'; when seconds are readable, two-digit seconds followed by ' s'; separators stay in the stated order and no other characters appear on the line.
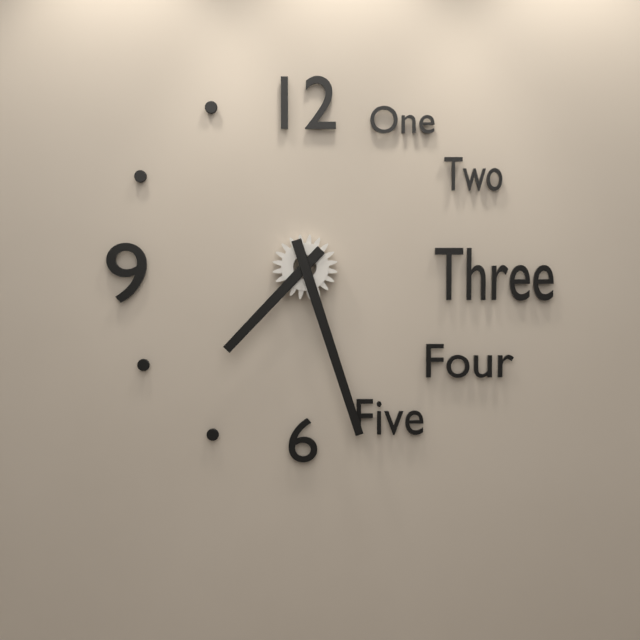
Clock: 7 h 27 min
